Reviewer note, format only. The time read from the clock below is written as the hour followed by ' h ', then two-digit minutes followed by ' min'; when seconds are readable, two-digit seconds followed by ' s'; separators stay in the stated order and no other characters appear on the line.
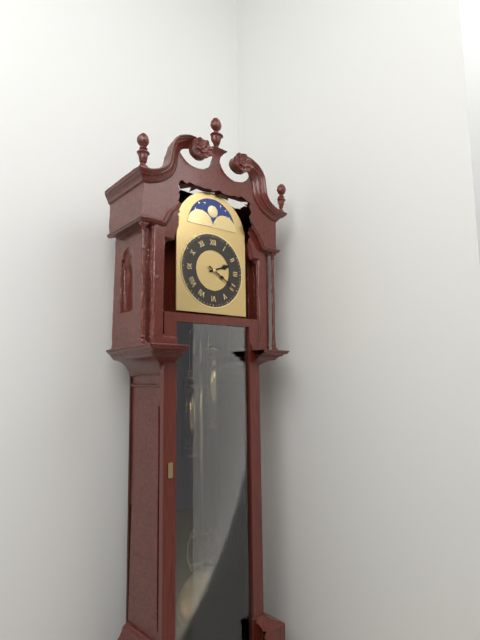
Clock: 2 h 20 min
